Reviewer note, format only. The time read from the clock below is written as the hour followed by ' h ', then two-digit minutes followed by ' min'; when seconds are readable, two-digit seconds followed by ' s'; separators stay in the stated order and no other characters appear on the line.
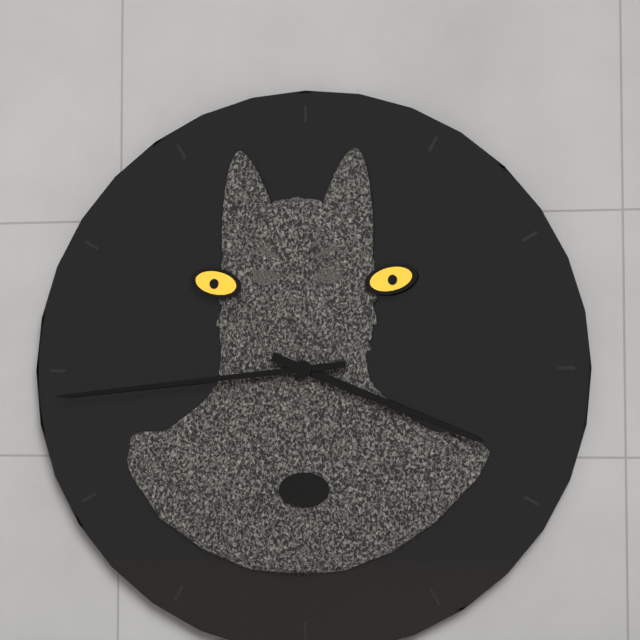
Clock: 3 h 44 min
